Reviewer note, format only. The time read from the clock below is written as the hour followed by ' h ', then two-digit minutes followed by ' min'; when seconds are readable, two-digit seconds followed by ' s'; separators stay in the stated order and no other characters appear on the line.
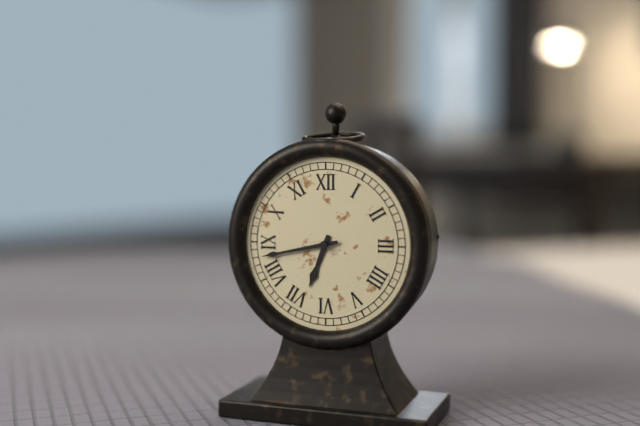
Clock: 6 h 43 min
